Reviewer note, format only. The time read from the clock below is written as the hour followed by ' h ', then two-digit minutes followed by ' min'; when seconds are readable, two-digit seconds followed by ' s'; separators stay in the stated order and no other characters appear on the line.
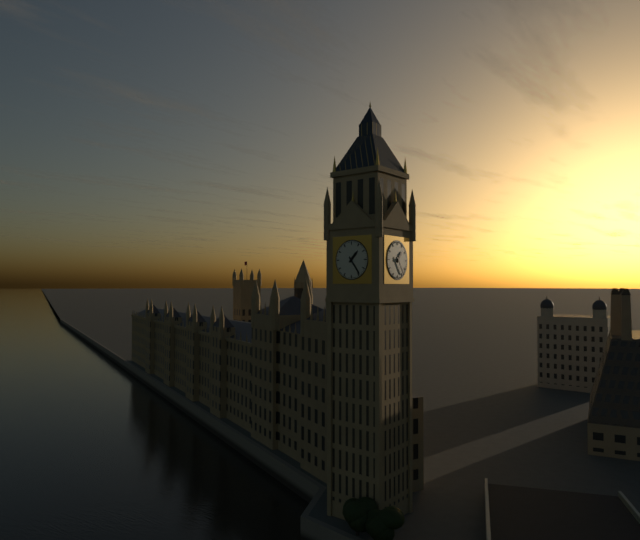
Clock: 1 h 24 min
